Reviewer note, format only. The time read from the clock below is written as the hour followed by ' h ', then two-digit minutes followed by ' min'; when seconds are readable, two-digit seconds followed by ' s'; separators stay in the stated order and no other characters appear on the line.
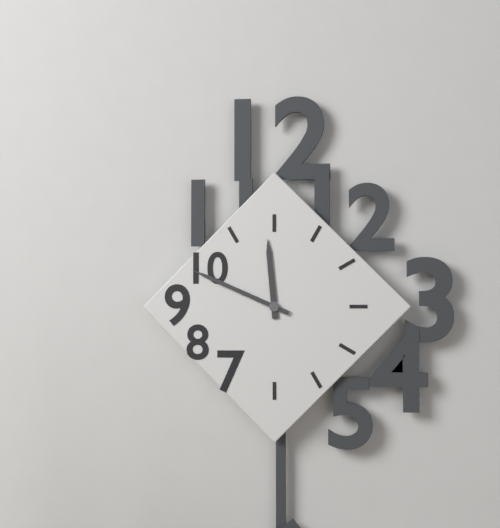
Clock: 11 h 49 min
